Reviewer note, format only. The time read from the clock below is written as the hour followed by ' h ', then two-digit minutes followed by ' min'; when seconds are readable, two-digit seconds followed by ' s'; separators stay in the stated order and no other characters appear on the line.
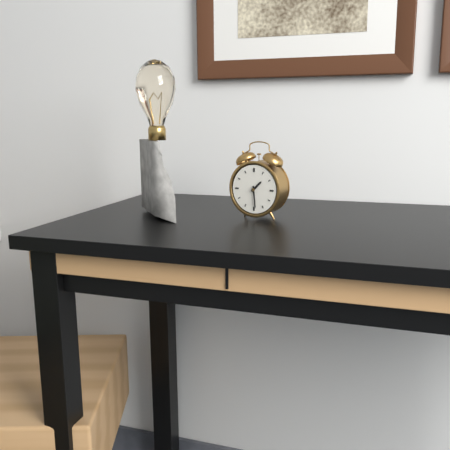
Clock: 1 h 29 min
